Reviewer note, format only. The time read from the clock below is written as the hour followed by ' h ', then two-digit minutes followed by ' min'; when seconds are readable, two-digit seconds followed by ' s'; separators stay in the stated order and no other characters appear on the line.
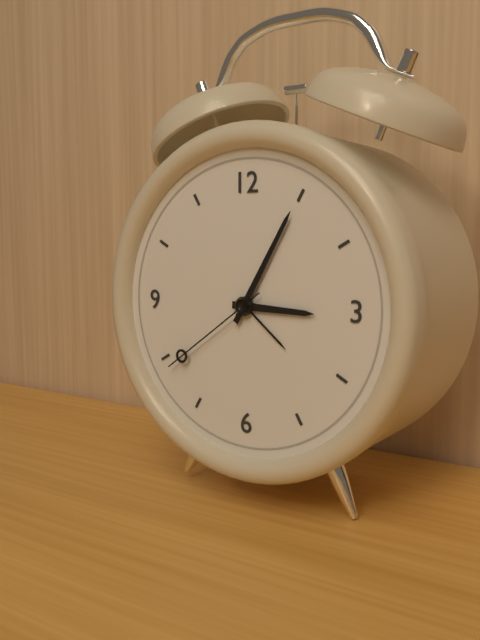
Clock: 3 h 05 min 39 s
